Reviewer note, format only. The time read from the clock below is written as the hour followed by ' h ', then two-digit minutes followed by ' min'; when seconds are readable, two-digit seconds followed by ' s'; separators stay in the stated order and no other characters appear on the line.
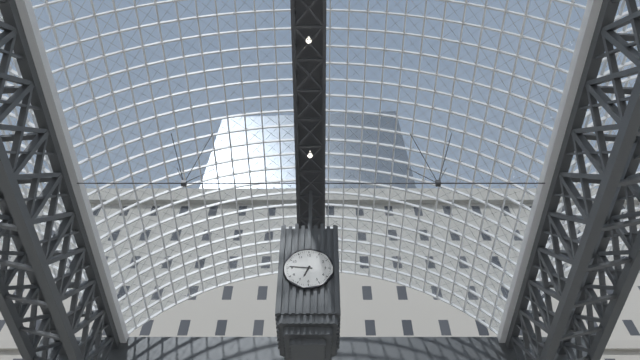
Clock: 6 h 46 min
